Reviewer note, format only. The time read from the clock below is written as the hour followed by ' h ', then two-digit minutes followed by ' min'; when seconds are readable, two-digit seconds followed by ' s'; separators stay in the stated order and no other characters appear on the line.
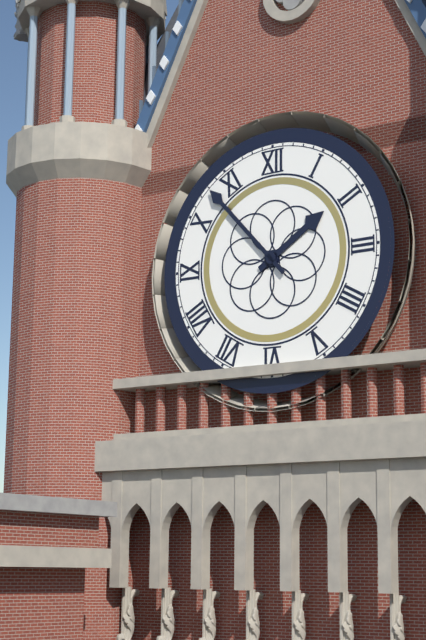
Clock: 1 h 53 min
